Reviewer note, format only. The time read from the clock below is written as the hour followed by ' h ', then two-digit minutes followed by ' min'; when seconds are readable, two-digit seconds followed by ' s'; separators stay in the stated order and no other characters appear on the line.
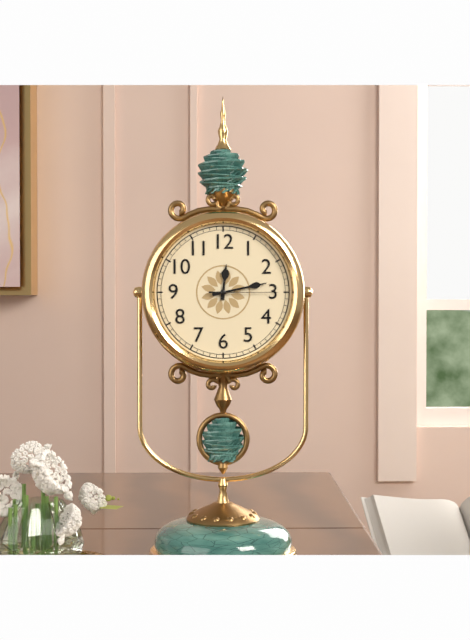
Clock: 12 h 13 min 15 s
